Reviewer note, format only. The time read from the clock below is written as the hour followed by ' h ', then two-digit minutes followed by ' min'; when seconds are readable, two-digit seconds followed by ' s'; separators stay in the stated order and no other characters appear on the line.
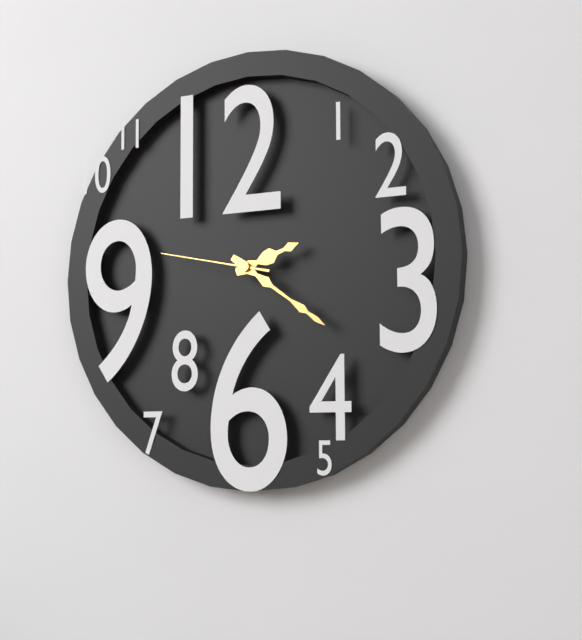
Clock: 2 h 21 min 47 s
